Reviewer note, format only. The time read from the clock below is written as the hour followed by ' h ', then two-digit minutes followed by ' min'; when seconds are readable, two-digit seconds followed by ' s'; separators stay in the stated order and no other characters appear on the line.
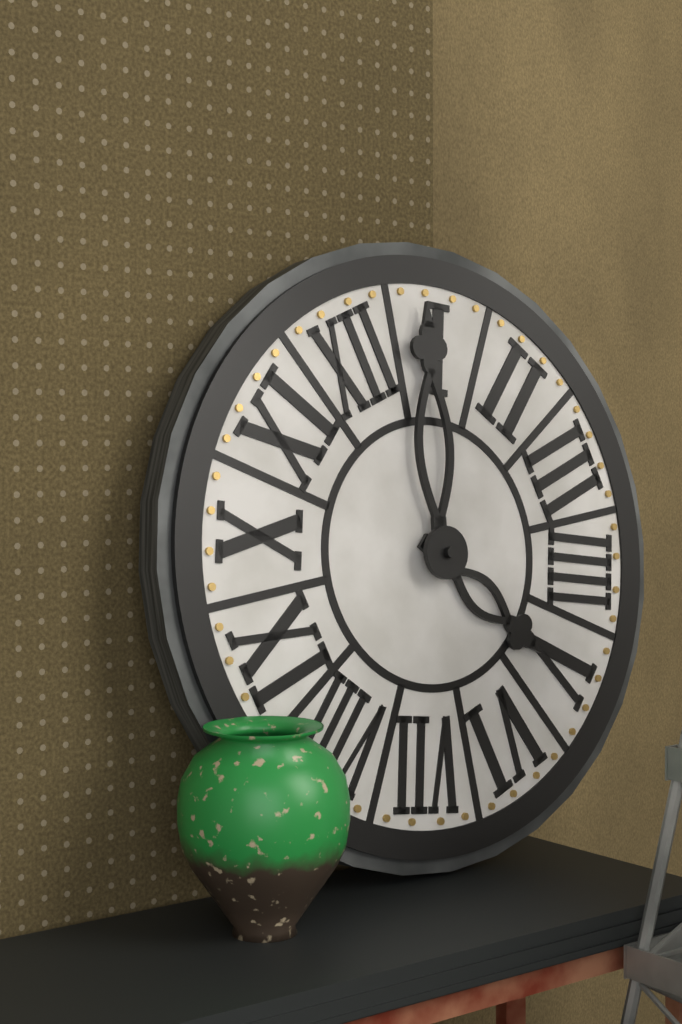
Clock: 5 h 04 min
